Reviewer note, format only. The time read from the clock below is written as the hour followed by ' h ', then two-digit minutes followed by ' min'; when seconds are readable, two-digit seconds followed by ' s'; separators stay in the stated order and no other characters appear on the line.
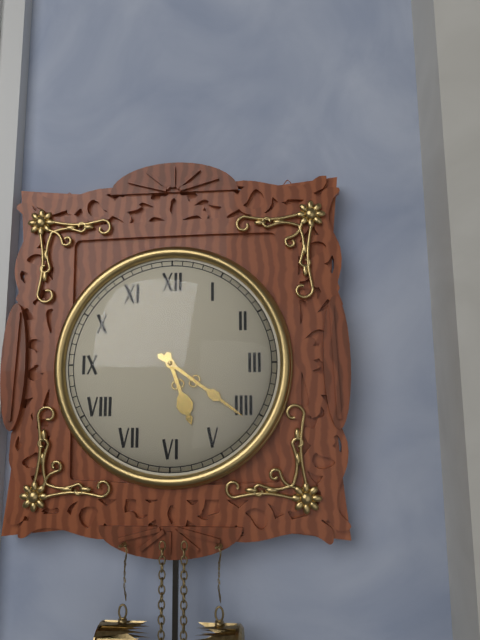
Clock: 5 h 21 min
